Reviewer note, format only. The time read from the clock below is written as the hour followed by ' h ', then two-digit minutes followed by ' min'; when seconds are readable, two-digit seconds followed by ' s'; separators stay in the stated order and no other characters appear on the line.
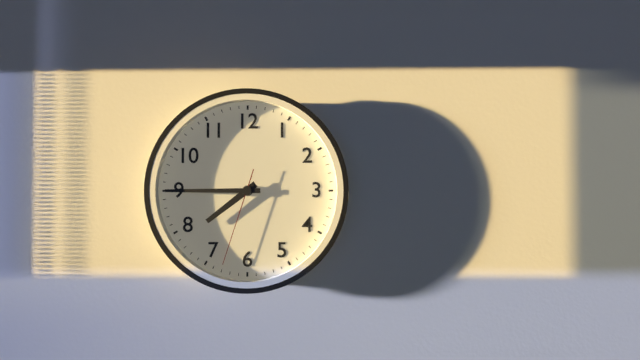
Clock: 7 h 45 min 33 s
